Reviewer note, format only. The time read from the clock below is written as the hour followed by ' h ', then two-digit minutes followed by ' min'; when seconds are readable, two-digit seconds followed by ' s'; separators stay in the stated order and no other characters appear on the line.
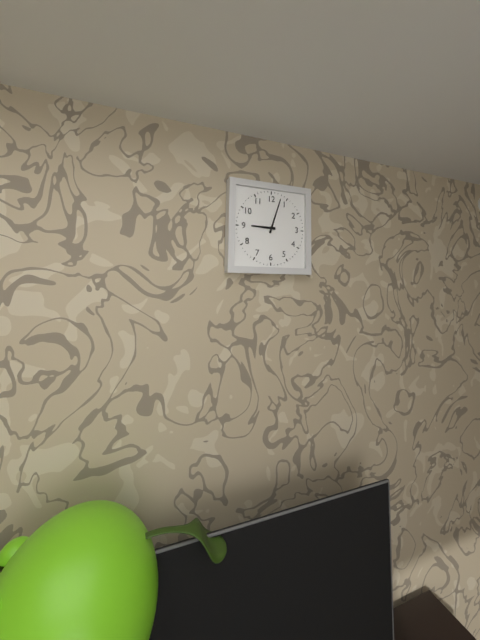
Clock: 9 h 03 min
